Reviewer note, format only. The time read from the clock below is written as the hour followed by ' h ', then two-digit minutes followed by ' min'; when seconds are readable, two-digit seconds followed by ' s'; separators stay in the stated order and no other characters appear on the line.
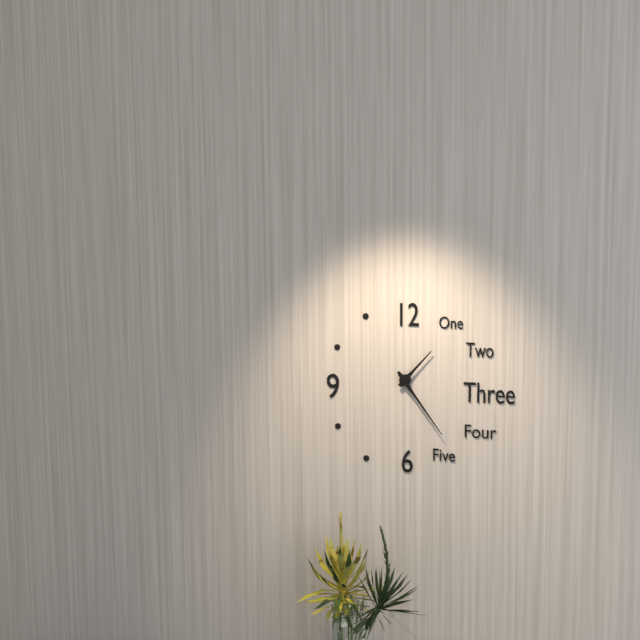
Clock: 1 h 24 min
